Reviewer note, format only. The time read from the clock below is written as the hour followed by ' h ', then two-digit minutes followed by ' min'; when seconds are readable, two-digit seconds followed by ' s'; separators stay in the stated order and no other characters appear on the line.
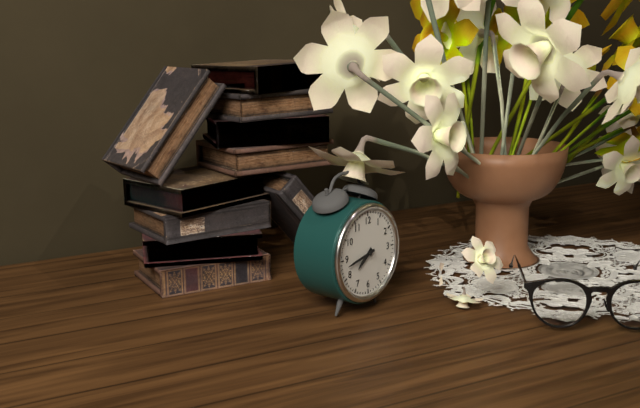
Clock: 7 h 43 min
